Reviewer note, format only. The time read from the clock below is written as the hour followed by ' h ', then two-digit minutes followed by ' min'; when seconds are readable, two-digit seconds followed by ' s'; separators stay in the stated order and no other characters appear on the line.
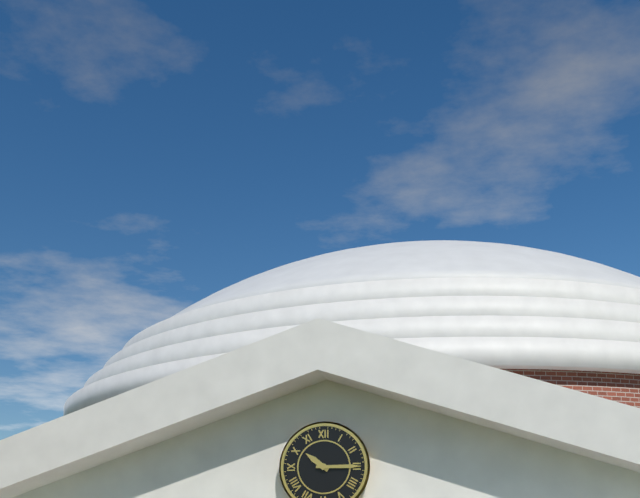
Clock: 10 h 15 min
